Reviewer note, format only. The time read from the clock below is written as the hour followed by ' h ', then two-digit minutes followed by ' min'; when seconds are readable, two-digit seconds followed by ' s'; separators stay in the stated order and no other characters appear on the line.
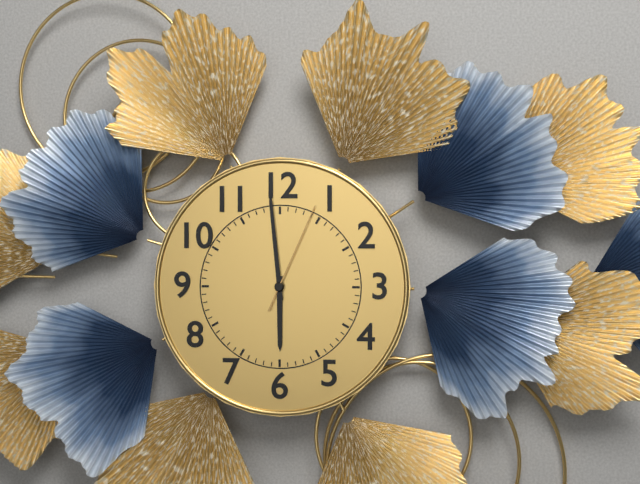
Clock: 5 h 59 min 04 s
